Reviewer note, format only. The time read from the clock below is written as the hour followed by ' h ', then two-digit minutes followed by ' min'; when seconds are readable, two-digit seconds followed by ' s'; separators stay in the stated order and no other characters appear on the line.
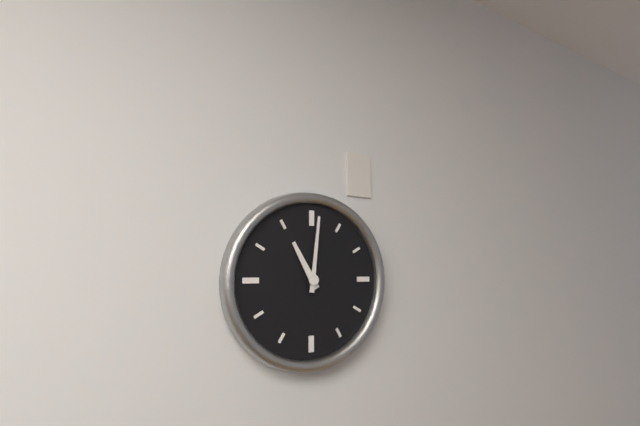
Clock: 11 h 01 min
